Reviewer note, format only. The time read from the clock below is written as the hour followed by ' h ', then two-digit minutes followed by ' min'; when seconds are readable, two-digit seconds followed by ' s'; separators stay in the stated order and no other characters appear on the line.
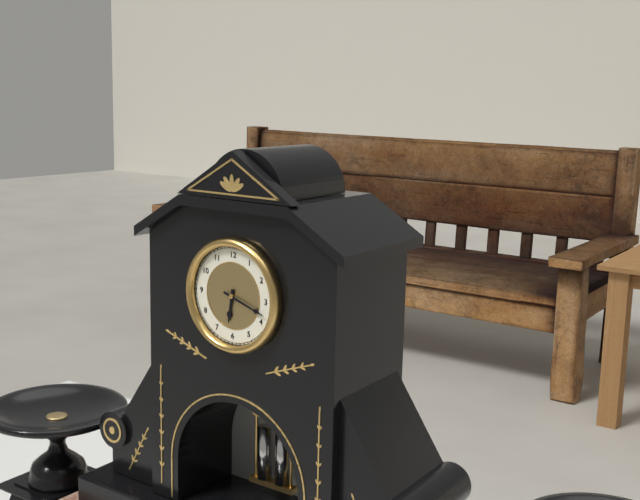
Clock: 6 h 18 min
